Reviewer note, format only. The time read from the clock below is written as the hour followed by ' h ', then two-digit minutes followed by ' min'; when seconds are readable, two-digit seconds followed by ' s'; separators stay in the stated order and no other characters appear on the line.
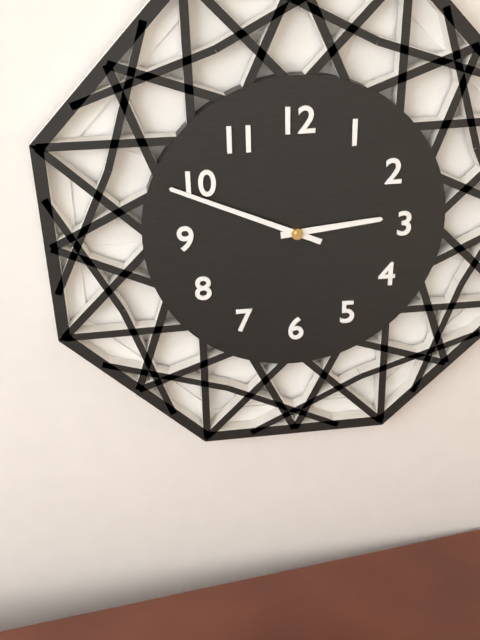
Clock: 2 h 49 min
